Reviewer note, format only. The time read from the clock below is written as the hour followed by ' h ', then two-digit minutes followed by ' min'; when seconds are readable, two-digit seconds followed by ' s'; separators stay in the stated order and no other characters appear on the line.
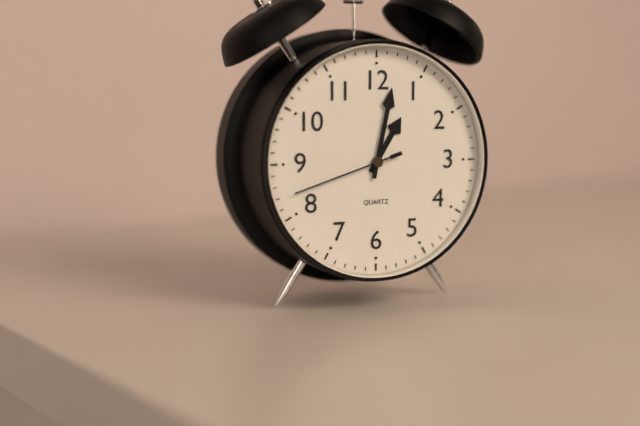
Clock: 1 h 02 min 42 s
